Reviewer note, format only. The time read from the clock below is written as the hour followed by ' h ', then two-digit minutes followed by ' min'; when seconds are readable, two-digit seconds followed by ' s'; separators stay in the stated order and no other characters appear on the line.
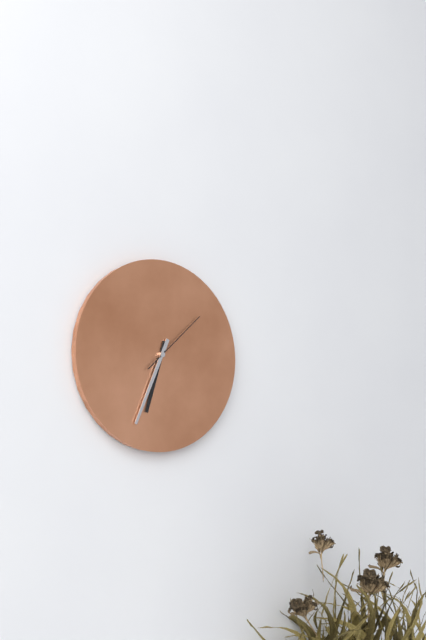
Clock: 6 h 34 min 08 s
